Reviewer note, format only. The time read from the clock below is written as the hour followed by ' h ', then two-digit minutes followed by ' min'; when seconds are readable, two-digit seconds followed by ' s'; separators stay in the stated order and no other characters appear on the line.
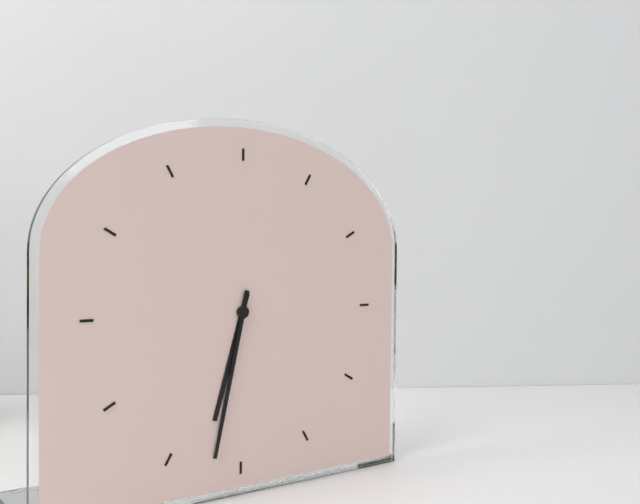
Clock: 6 h 32 min
